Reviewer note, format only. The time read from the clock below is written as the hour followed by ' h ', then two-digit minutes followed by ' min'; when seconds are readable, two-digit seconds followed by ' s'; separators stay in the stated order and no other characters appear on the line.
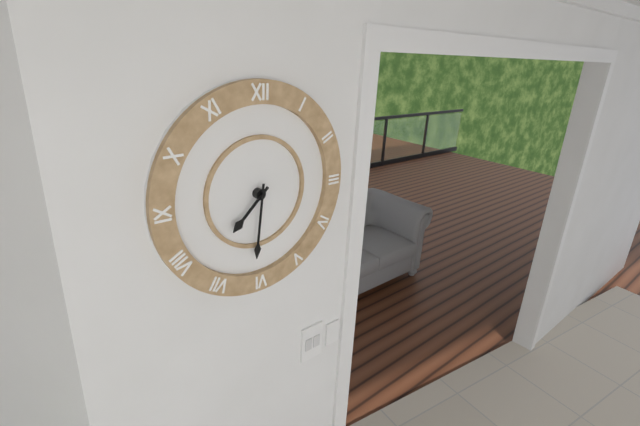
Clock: 7 h 31 min
